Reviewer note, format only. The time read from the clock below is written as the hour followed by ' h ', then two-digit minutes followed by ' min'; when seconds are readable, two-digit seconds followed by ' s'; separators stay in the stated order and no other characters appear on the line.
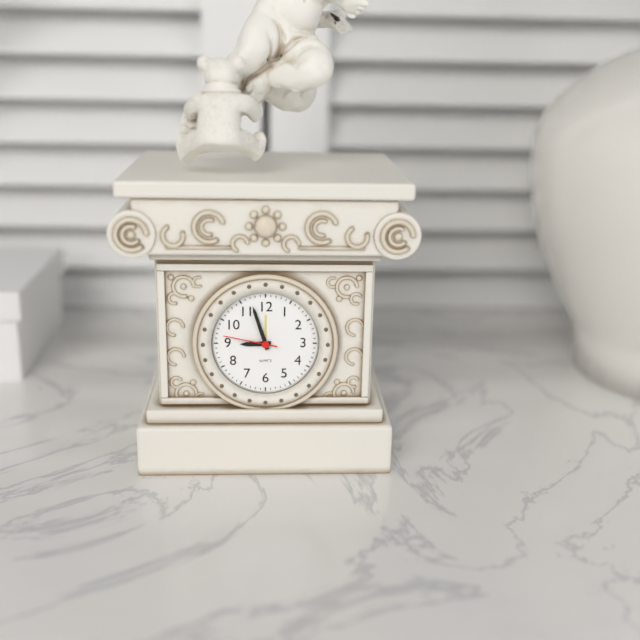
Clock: 8 h 57 min 47 s
